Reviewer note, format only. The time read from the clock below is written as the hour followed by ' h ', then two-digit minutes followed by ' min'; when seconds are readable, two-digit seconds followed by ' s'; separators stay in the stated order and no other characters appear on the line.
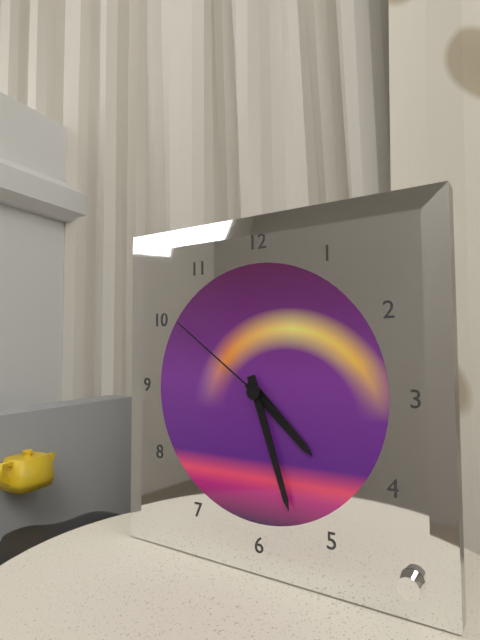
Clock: 4 h 27 min 51 s
